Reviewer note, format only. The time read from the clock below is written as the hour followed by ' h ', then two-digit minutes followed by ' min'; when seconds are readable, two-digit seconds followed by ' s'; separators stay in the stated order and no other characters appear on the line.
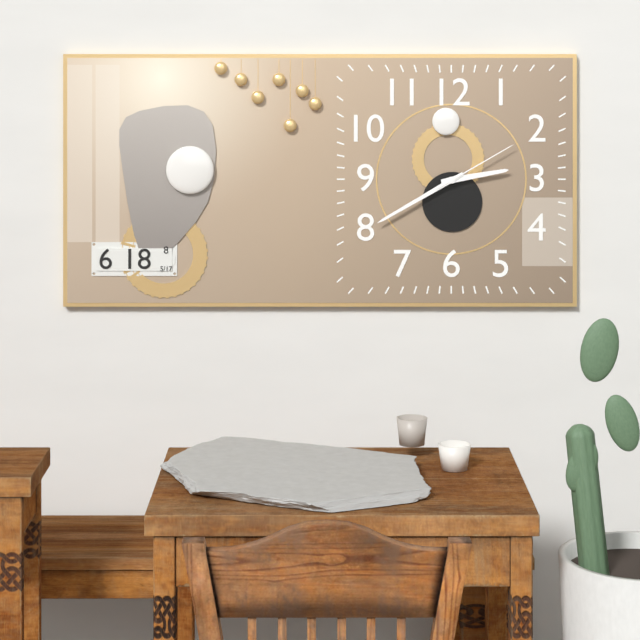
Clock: 2 h 40 min 10 s
